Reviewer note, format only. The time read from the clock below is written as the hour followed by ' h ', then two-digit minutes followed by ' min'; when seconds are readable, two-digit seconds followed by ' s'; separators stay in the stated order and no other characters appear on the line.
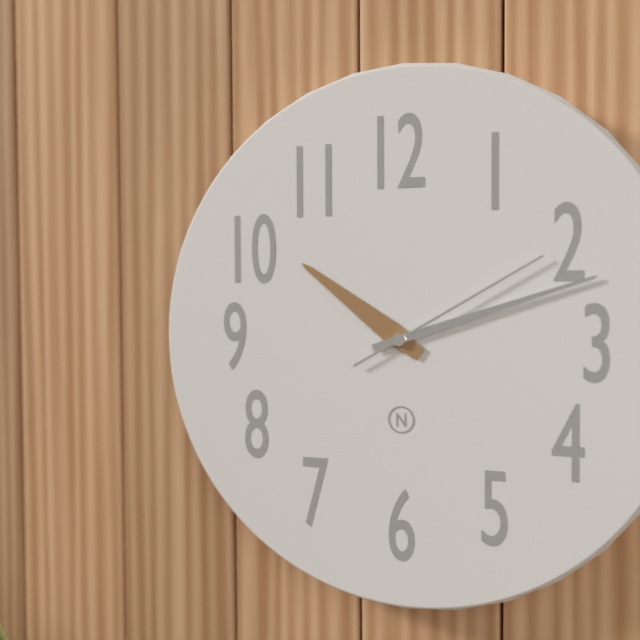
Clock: 10 h 12 min 10 s
